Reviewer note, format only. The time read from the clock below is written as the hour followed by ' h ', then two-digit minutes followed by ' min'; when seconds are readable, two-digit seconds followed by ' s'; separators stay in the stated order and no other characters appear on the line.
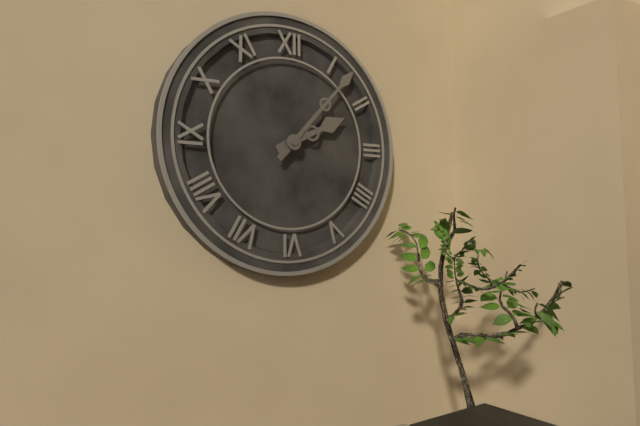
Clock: 2 h 07 min
